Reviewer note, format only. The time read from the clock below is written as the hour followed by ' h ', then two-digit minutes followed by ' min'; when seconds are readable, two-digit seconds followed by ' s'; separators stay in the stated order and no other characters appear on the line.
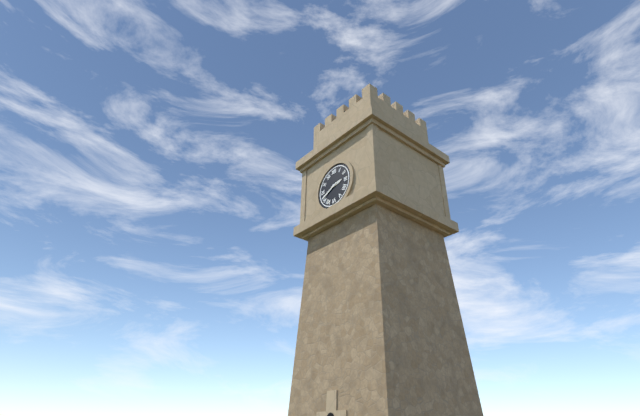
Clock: 2 h 41 min
